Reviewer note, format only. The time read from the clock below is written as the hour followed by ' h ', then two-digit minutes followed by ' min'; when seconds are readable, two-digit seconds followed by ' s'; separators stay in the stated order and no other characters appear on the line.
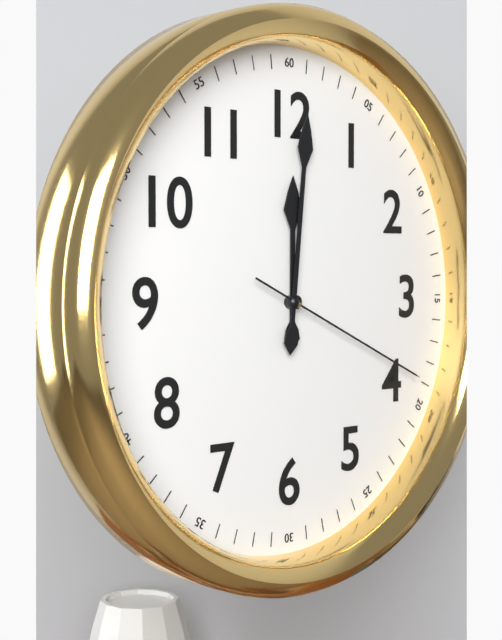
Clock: 12 h 01 min 19 s
